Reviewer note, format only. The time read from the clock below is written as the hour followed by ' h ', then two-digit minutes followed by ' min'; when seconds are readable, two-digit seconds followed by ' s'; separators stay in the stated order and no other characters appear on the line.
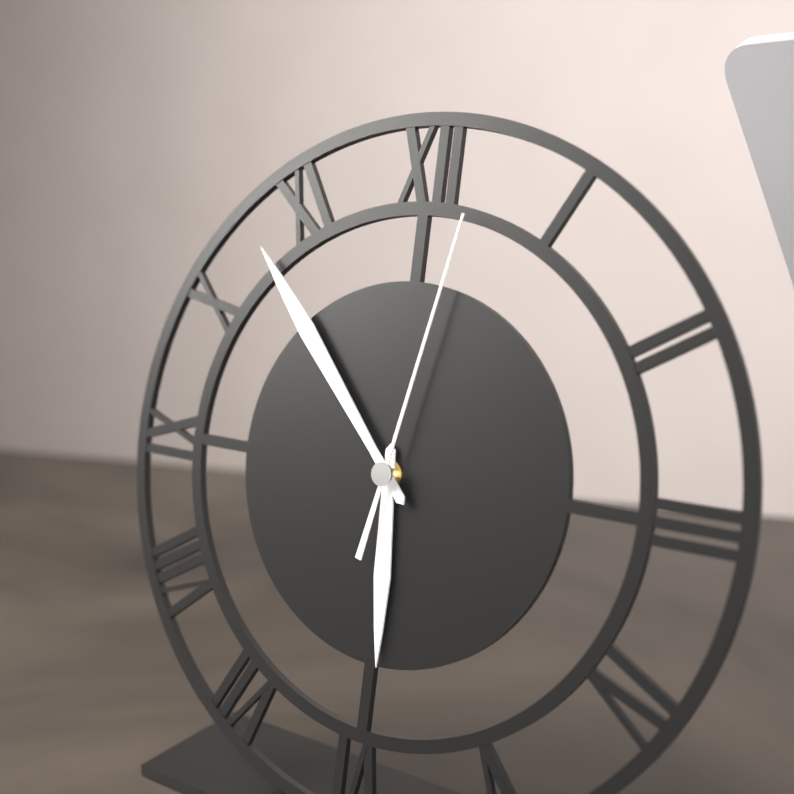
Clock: 5 h 53 min 02 s
